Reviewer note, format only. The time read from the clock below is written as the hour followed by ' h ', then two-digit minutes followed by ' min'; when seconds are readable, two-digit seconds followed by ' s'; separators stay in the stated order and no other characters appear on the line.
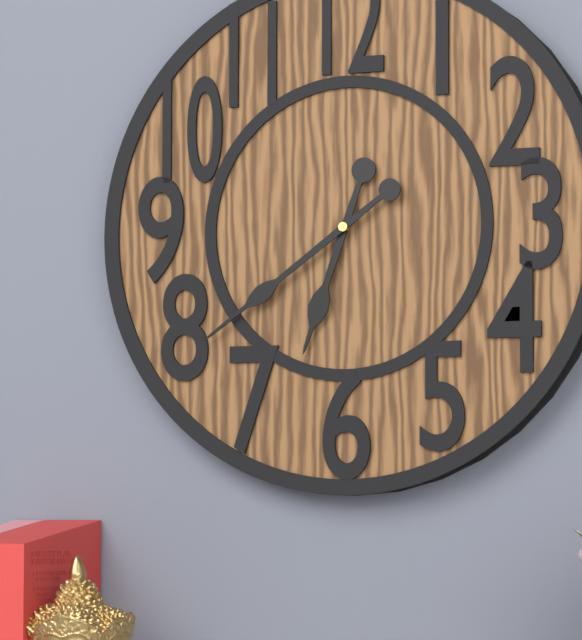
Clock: 6 h 39 min
